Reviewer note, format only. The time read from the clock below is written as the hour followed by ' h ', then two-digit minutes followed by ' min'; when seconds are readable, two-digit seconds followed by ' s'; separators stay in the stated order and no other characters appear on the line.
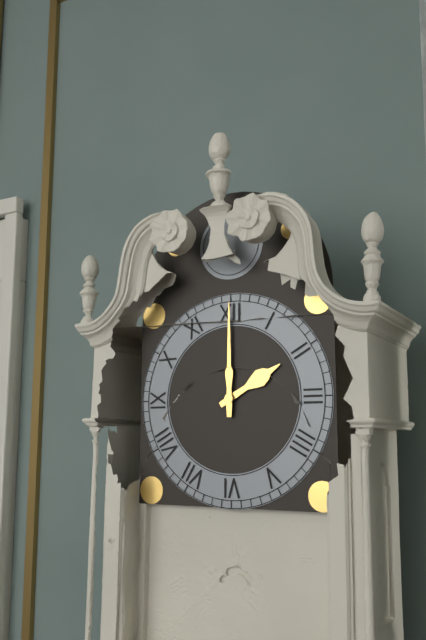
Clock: 2 h 00 min
